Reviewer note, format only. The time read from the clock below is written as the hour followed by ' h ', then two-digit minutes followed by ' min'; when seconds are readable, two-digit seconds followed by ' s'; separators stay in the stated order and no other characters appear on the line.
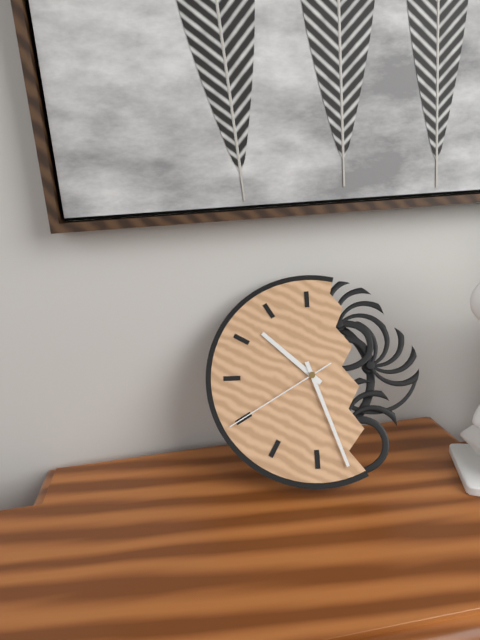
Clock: 10 h 27 min 40 s
